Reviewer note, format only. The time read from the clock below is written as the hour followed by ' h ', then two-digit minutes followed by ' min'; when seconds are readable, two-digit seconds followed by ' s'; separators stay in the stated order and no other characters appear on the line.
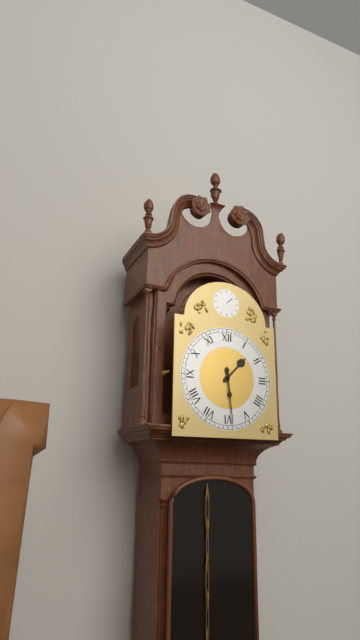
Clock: 1 h 29 min
